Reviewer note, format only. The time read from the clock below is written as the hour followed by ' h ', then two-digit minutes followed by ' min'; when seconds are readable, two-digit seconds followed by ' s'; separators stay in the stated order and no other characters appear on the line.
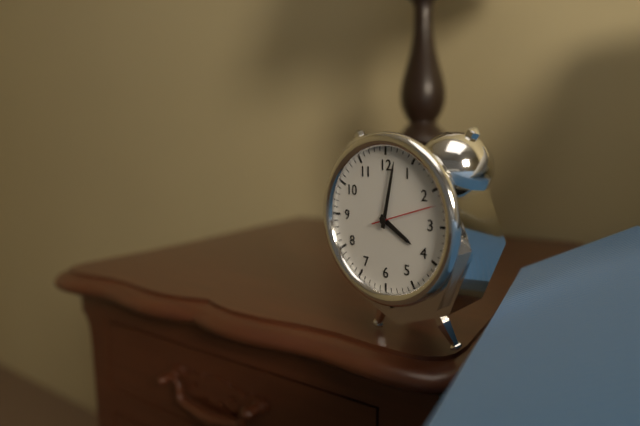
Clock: 4 h 02 min 12 s
